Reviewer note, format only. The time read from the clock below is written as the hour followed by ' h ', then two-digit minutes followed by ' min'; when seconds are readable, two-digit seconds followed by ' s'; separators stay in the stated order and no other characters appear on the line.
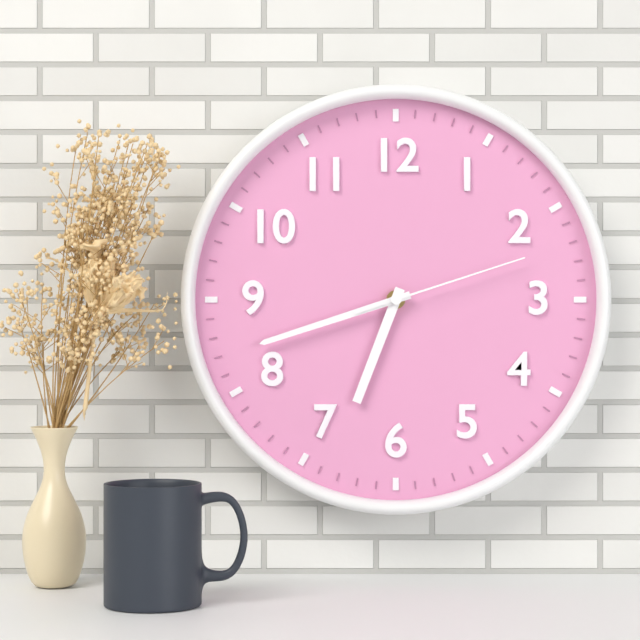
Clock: 6 h 42 min 12 s
